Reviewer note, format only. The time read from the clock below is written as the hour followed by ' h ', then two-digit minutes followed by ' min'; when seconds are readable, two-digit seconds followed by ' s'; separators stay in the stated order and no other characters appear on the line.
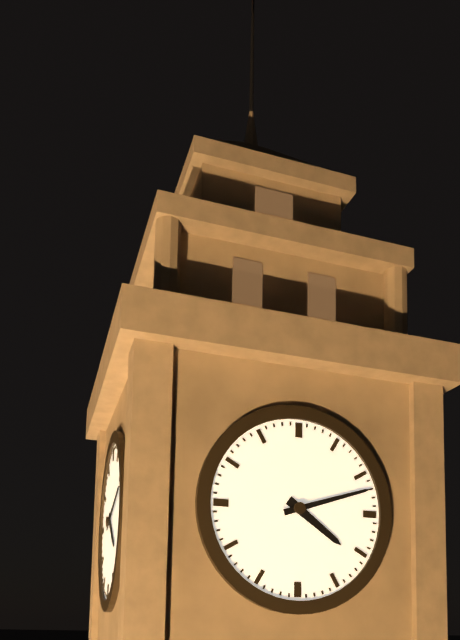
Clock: 4 h 12 min
